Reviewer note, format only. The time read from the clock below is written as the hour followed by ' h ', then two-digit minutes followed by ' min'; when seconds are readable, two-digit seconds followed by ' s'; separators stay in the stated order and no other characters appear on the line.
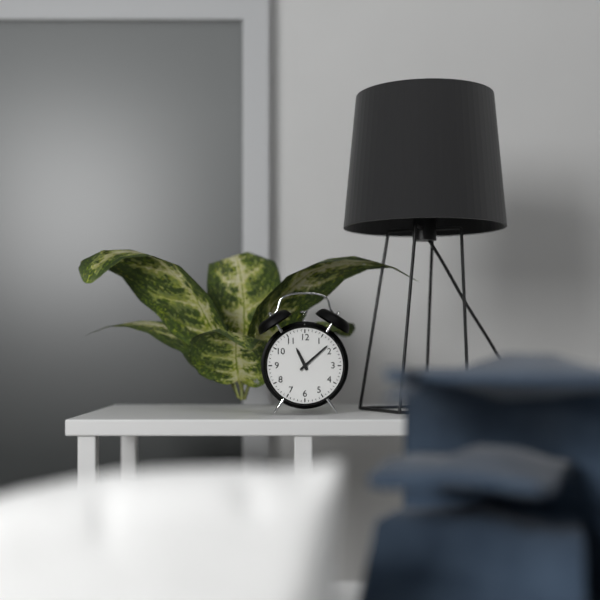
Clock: 11 h 08 min
